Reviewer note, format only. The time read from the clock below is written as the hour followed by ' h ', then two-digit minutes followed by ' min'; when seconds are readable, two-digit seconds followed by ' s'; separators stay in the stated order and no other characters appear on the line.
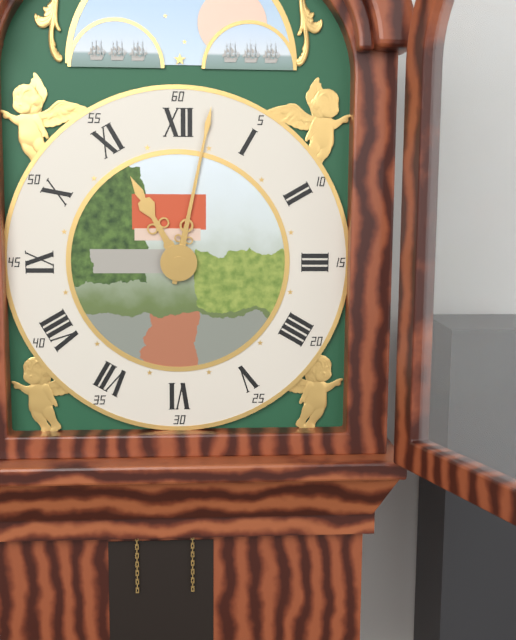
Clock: 11 h 02 min
